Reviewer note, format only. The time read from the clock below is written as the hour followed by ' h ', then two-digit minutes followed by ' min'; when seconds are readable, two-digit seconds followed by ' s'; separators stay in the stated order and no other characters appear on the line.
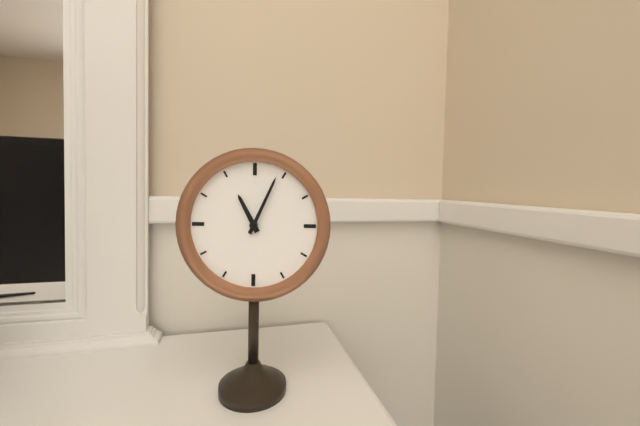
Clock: 11 h 04 min
